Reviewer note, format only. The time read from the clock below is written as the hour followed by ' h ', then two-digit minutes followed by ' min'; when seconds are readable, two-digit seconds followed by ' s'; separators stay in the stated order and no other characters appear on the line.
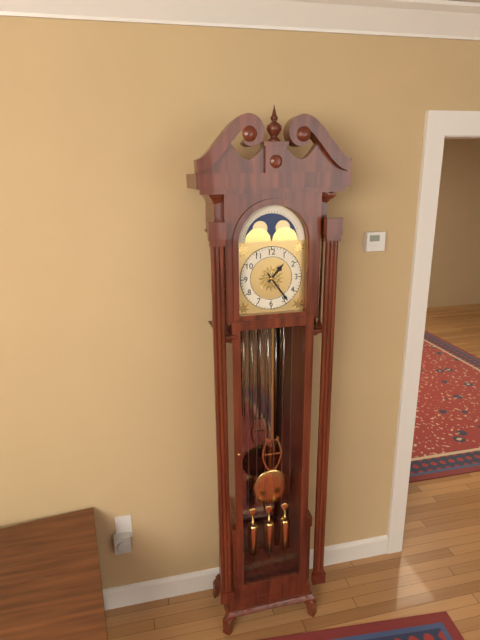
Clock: 1 h 24 min
